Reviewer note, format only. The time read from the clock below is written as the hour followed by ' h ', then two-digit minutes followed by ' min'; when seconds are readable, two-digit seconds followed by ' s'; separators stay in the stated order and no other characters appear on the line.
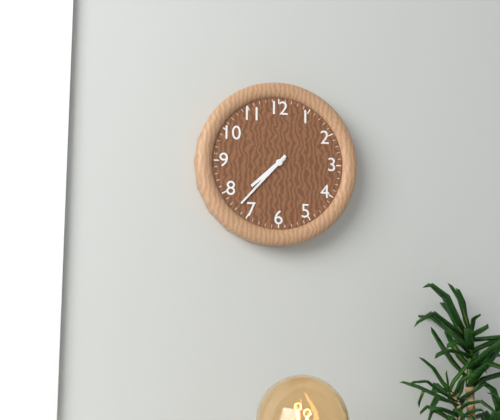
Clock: 7 h 37 min
